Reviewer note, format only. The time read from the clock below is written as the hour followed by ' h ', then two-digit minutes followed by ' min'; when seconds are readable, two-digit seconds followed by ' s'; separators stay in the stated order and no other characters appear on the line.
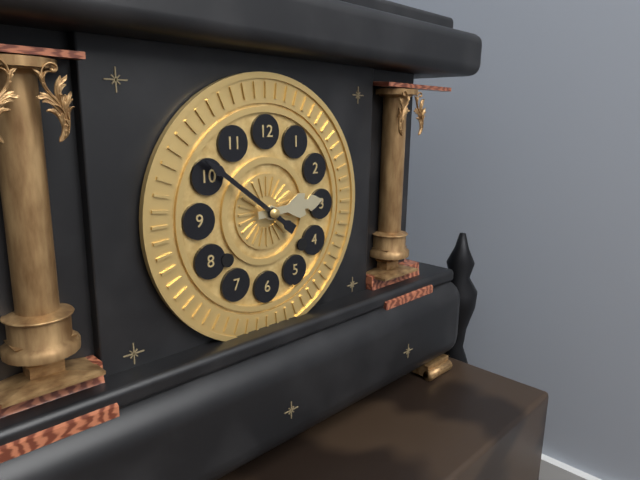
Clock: 2 h 51 min
